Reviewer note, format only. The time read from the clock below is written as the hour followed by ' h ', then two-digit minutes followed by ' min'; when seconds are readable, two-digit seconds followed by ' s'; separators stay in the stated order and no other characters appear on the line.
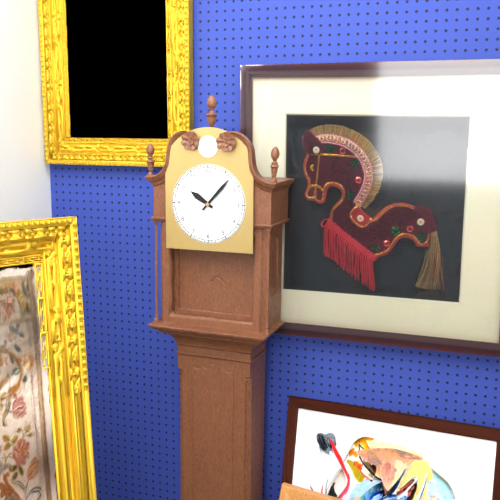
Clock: 10 h 07 min
